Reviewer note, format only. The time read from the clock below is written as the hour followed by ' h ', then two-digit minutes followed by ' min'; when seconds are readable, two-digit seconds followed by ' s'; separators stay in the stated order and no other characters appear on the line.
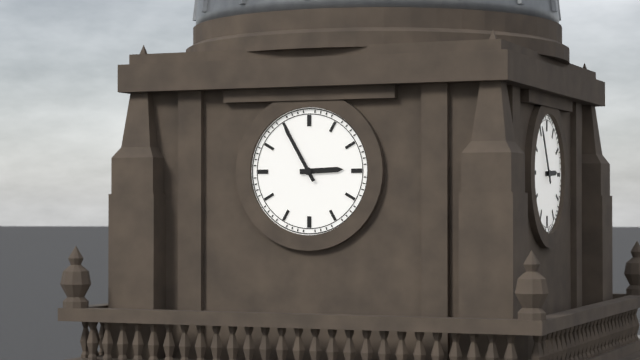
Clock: 2 h 55 min
